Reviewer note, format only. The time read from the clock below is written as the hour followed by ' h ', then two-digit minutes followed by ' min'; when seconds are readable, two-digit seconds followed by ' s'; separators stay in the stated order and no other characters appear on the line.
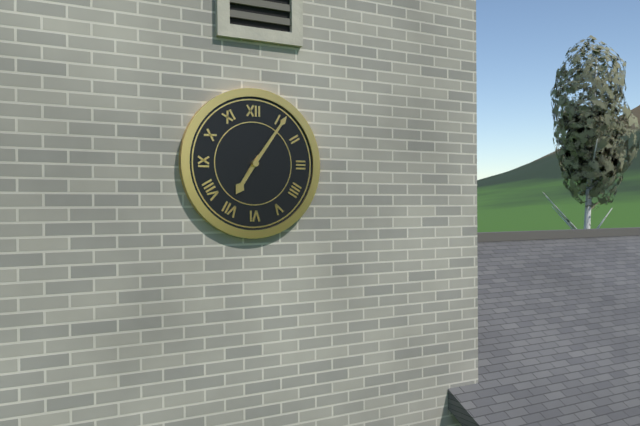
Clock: 7 h 06 min
